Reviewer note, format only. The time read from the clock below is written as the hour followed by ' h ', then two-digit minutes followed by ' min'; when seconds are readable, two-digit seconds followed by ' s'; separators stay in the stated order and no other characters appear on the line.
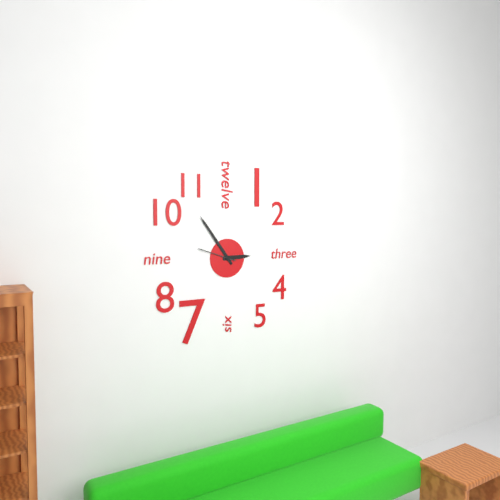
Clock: 2 h 54 min
